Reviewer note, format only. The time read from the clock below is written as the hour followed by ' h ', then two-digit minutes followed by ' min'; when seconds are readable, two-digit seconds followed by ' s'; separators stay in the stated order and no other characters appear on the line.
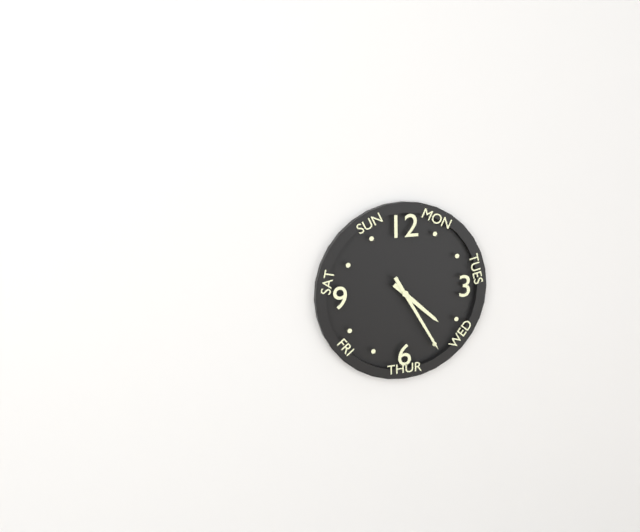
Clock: 4 h 25 min
